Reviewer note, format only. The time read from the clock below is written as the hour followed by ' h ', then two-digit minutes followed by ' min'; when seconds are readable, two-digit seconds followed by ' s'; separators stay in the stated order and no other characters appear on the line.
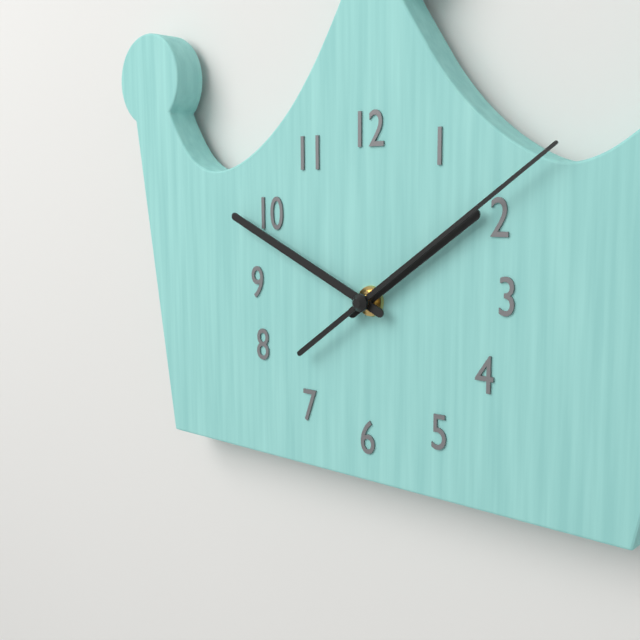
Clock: 1 h 49 min 09 s
